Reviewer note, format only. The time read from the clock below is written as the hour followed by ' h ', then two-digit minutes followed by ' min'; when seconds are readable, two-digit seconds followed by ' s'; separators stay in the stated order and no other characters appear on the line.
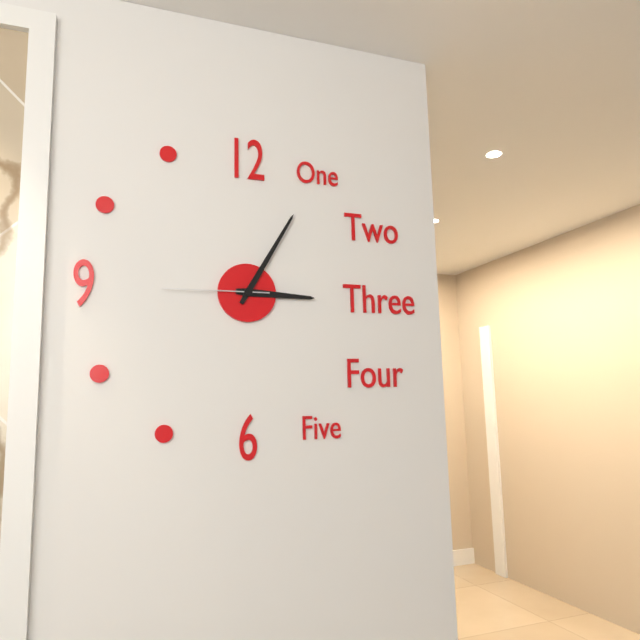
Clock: 3 h 05 min 45 s
